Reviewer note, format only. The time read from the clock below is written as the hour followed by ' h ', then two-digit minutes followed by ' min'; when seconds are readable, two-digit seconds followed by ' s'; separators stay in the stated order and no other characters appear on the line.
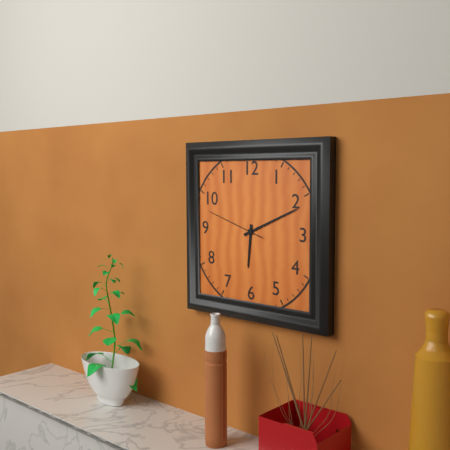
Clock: 6 h 11 min 48 s
